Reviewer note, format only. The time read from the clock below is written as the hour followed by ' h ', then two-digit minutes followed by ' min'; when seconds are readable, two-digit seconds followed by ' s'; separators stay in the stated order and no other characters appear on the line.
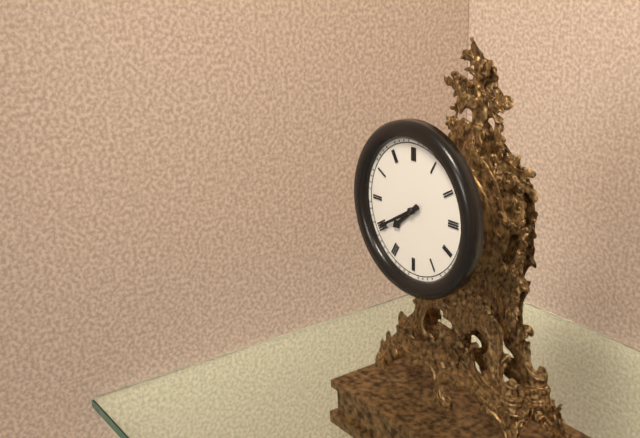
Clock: 7 h 40 min
